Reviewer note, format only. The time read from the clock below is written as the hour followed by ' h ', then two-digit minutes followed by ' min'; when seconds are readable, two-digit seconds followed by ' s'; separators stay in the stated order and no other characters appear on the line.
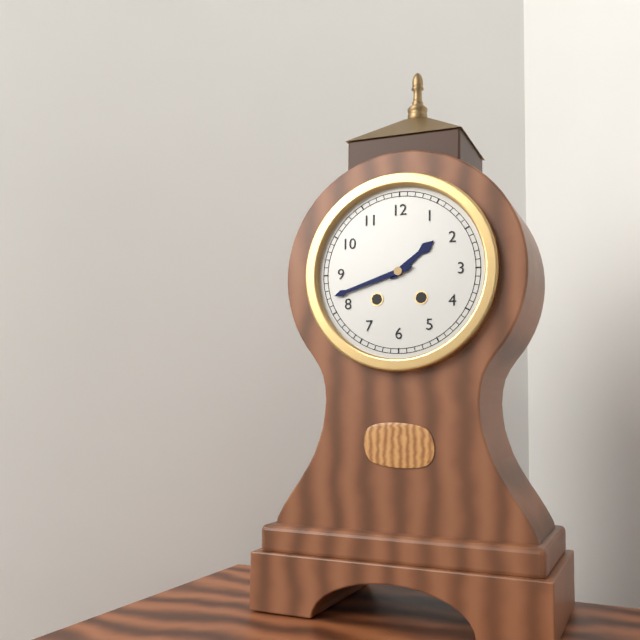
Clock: 1 h 42 min
